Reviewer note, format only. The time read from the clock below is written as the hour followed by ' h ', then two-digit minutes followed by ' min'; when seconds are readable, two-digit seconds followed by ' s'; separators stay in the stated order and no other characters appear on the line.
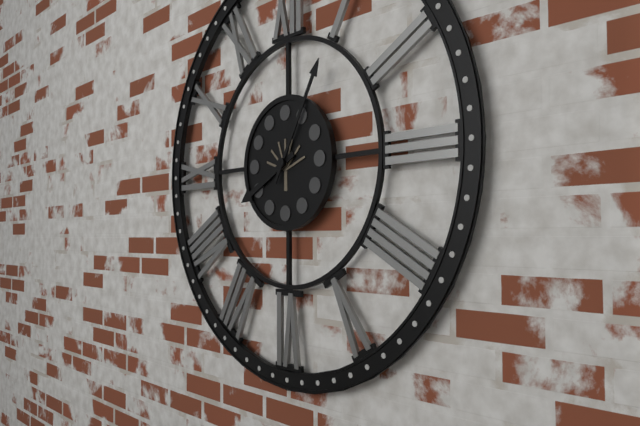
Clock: 8 h 05 min
